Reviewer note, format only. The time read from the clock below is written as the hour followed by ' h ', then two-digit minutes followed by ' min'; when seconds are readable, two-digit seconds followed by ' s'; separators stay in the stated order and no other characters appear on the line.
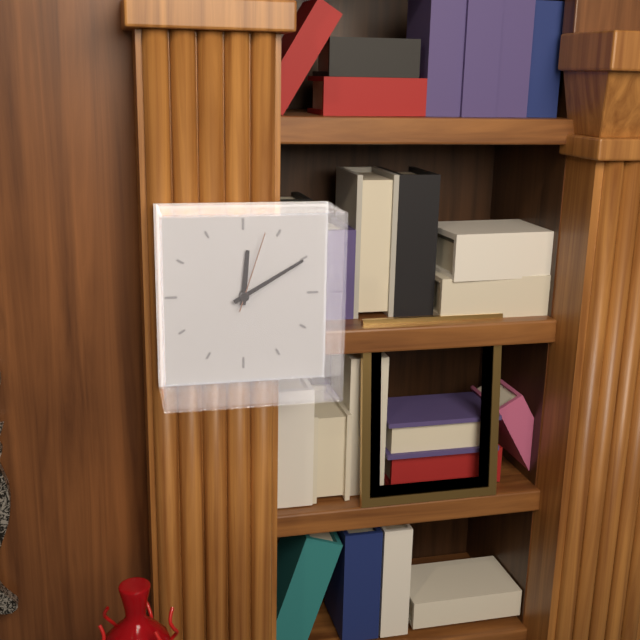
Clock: 12 h 10 min 03 s
